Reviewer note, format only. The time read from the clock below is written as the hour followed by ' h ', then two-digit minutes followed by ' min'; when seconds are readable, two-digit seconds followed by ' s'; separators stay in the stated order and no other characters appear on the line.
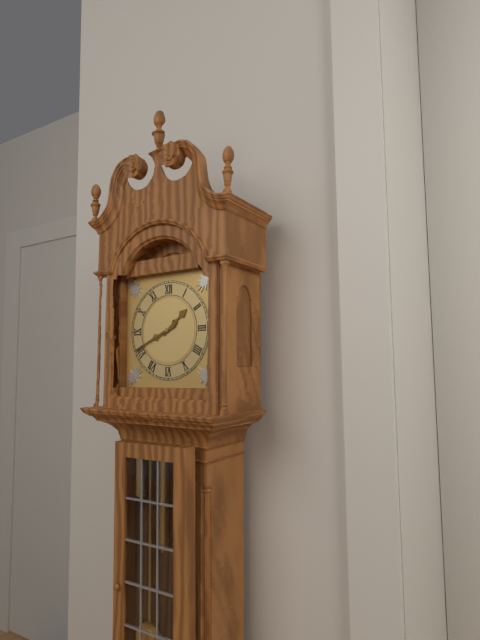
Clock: 1 h 41 min
